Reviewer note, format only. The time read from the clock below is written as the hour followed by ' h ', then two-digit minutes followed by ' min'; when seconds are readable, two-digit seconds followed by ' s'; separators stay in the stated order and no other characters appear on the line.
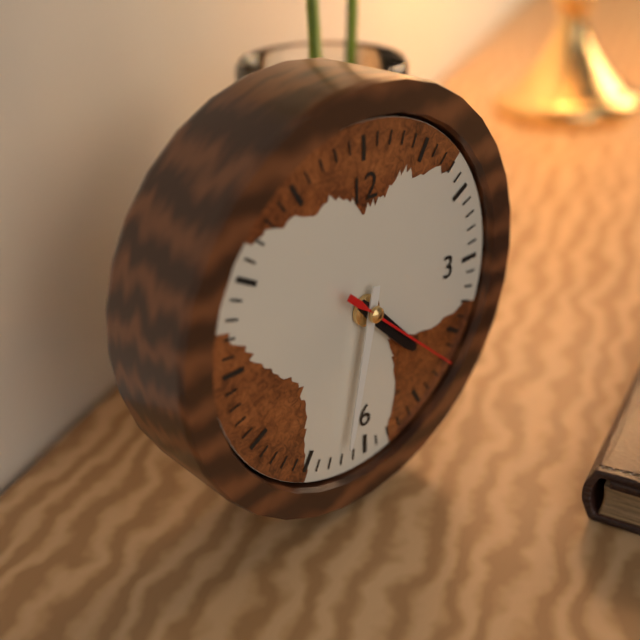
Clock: 4 h 32 min 22 s
